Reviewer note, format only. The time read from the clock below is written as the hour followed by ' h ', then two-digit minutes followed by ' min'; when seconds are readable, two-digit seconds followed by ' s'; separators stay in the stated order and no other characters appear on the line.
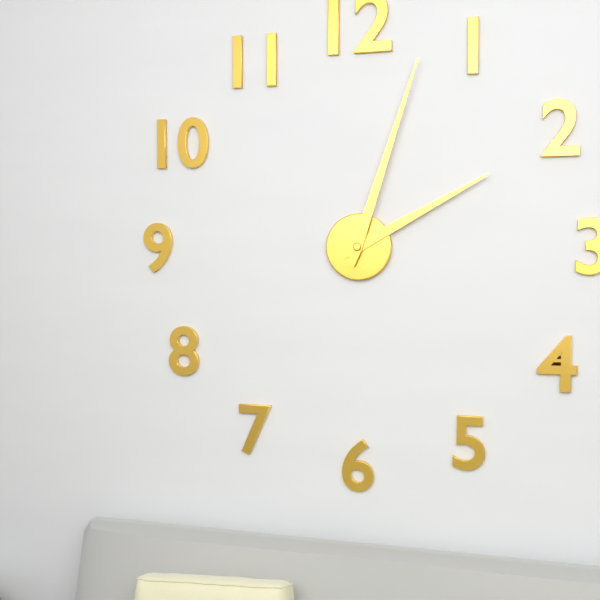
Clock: 2 h 03 min
